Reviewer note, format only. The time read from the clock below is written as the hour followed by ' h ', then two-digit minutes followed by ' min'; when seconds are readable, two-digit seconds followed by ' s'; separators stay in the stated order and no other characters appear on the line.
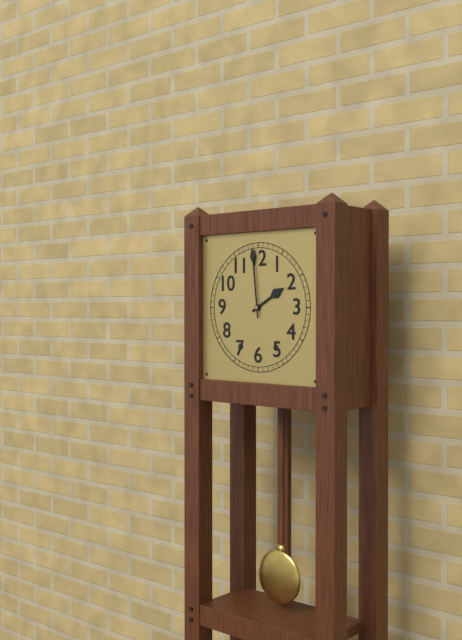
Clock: 1 h 59 min
